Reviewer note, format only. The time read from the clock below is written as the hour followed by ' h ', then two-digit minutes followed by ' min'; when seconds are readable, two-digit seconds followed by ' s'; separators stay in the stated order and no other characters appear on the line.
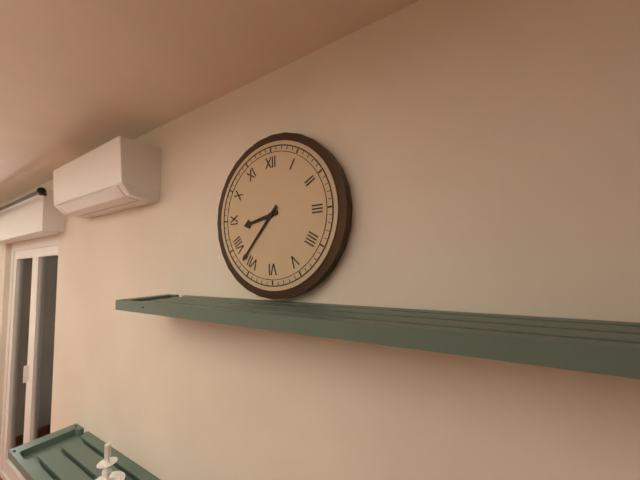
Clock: 8 h 37 min
